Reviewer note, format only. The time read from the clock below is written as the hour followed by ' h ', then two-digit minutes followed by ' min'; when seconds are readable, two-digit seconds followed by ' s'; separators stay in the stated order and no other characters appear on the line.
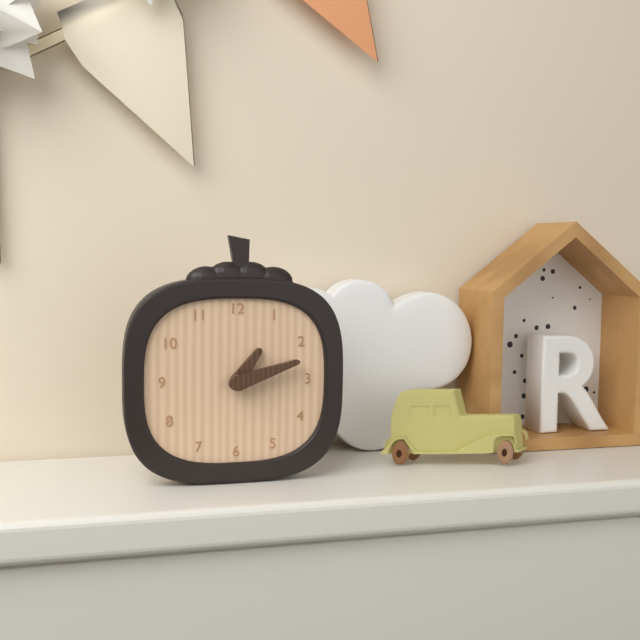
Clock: 1 h 12 min
